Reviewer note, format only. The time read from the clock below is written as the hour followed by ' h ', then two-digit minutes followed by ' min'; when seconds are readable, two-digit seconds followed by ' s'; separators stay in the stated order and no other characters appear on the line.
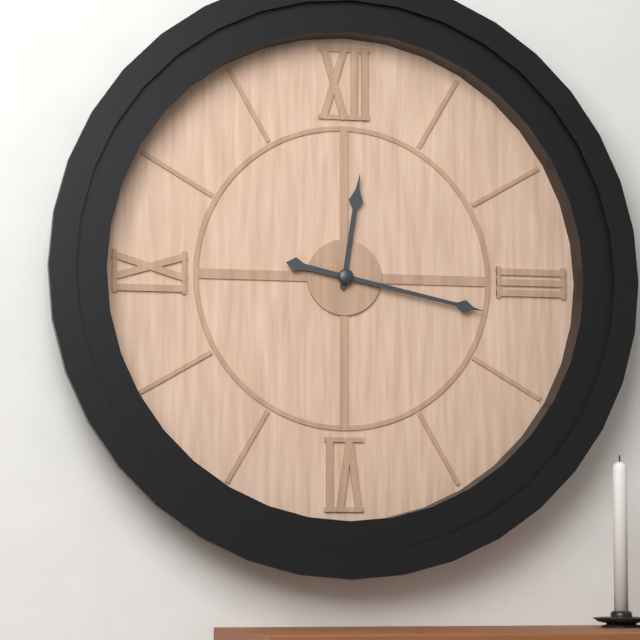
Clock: 12 h 17 min
